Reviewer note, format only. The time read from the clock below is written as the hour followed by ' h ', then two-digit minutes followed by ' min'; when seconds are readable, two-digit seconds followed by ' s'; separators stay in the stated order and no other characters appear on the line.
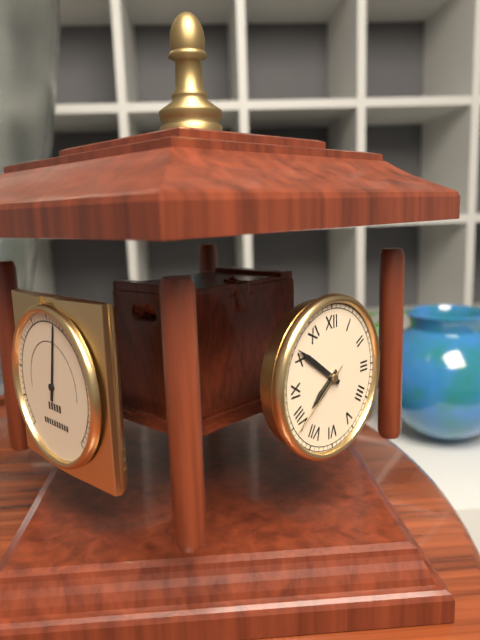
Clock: 7 h 51 min 39 s
